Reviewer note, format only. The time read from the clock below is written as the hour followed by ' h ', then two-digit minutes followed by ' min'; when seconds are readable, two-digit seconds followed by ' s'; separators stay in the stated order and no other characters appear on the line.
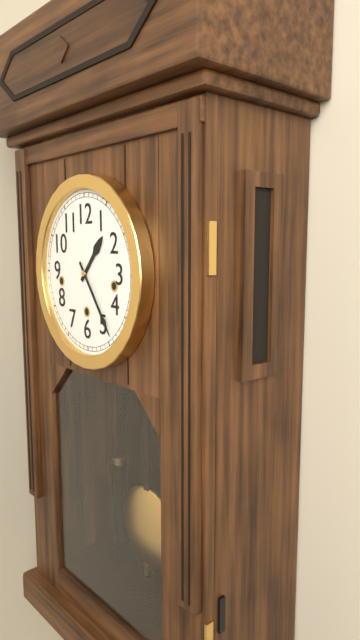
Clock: 1 h 24 min
